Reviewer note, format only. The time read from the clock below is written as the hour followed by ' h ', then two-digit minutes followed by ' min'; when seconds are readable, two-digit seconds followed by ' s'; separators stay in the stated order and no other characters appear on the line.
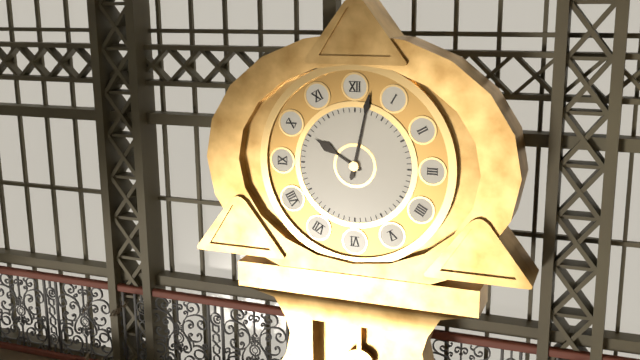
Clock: 10 h 02 min
